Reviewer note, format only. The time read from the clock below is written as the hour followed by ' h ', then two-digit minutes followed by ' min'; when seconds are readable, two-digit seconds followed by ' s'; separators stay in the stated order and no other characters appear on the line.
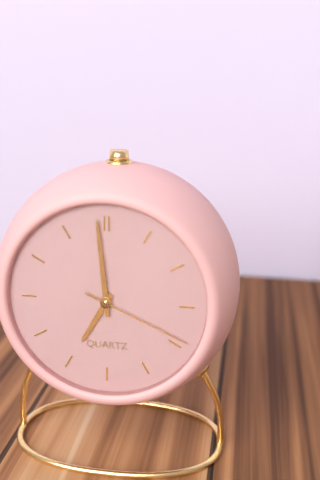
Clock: 6 h 59 min 19 s
